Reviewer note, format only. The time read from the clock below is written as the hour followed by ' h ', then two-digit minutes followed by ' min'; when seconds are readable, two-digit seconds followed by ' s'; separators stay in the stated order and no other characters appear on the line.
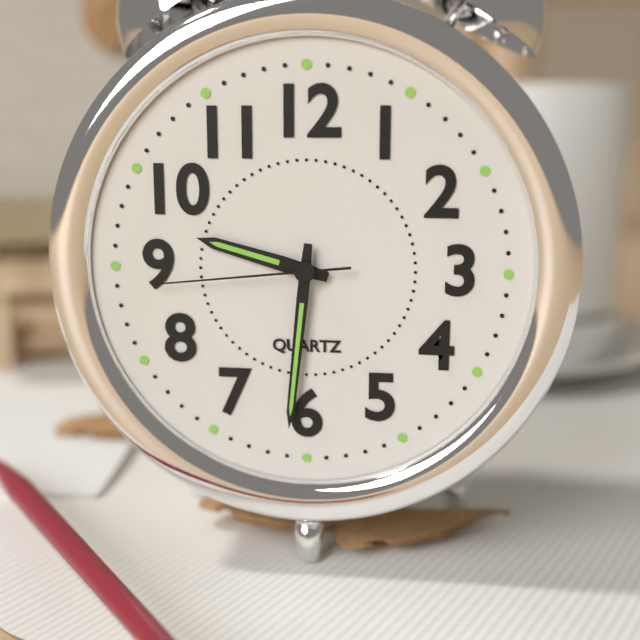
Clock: 9 h 31 min 44 s
